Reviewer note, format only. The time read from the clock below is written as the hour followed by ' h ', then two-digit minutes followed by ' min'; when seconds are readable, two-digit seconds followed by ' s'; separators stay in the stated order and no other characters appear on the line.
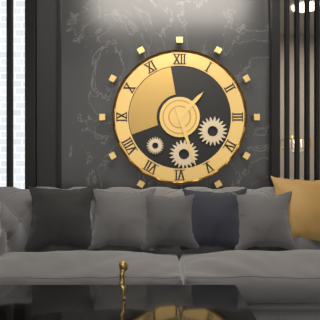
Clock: 1 h 27 min
